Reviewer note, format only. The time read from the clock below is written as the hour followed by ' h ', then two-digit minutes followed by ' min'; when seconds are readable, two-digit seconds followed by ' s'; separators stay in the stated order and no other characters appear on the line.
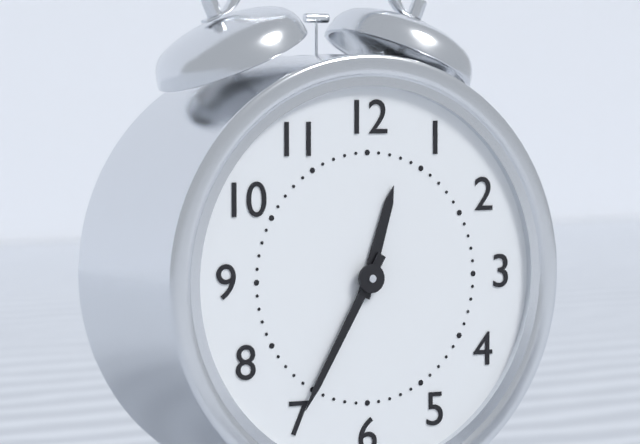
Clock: 12 h 35 min
